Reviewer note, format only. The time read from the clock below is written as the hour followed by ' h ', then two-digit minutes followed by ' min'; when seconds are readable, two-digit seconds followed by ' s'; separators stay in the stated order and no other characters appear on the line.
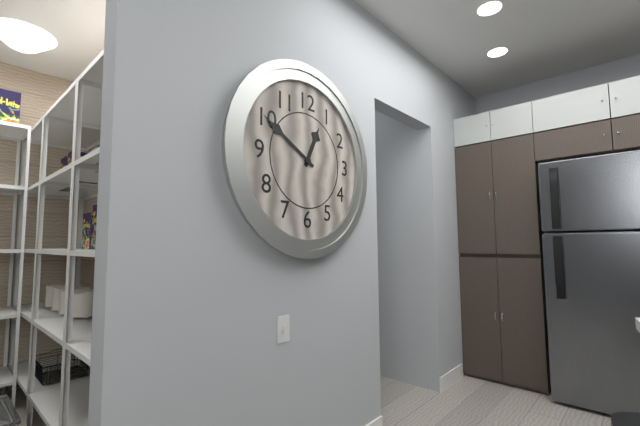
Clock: 12 h 50 min
